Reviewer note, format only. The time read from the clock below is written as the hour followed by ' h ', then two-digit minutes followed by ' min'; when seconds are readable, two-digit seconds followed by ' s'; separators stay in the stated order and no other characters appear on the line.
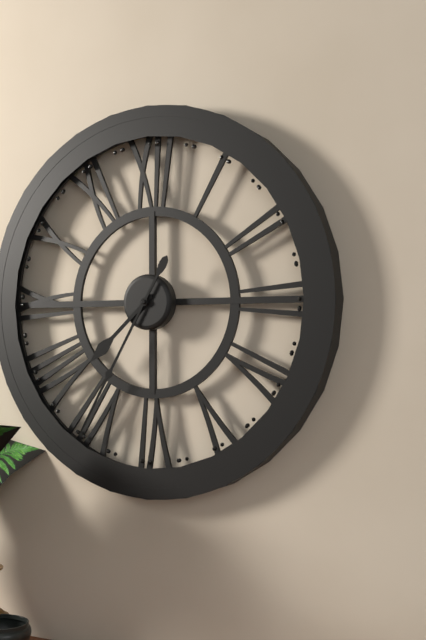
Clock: 7 h 35 min
